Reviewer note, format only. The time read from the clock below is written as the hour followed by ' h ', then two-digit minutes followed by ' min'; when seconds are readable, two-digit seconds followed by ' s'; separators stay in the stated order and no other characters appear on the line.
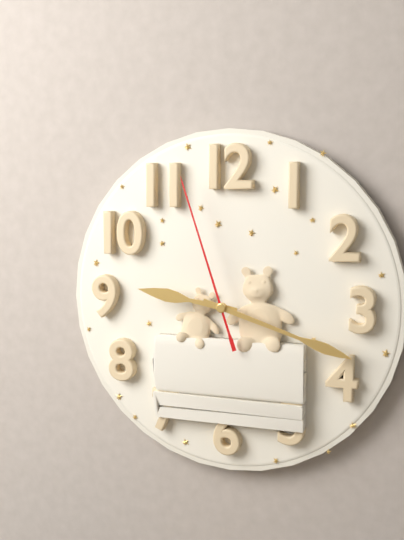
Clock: 9 h 18 min 57 s
